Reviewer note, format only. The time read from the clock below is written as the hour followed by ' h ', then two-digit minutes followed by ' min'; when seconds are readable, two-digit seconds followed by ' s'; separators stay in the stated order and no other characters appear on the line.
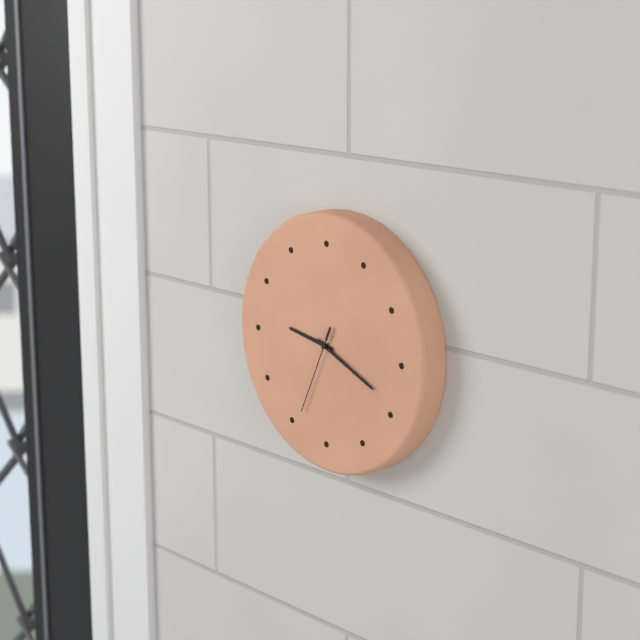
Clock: 9 h 19 min 34 s
